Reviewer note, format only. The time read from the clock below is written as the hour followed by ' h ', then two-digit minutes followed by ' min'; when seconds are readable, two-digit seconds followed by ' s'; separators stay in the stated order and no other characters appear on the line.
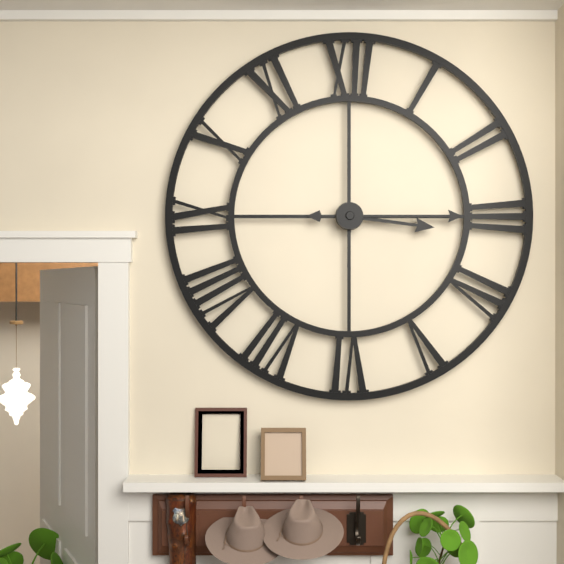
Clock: 3 h 15 min
